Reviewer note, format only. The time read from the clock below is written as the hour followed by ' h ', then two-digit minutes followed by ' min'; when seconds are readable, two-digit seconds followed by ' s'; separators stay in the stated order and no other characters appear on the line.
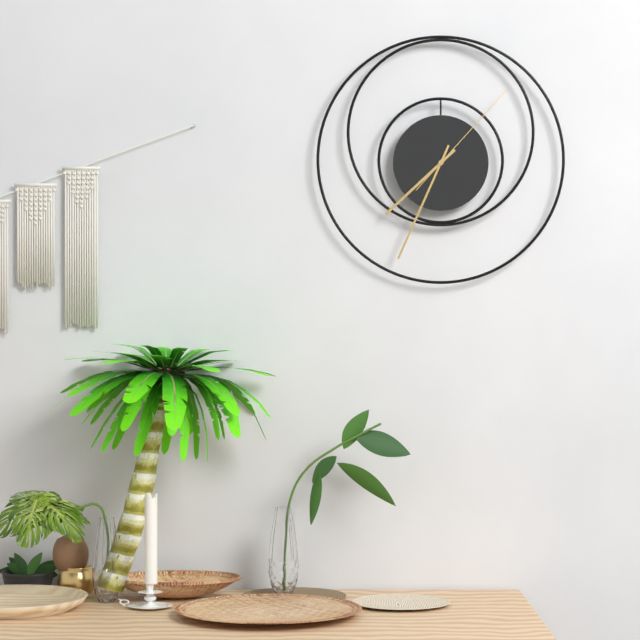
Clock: 7 h 34 min 07 s
